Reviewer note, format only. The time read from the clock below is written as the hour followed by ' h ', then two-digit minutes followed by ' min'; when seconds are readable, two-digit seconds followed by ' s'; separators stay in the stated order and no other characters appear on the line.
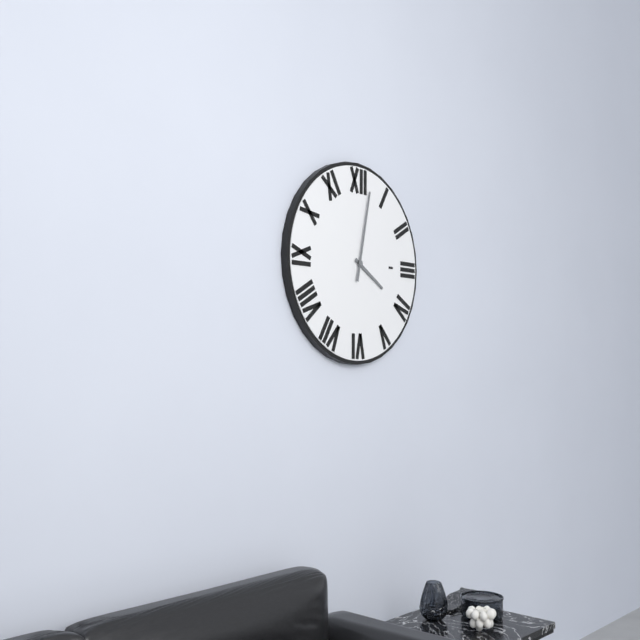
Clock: 4 h 02 min
